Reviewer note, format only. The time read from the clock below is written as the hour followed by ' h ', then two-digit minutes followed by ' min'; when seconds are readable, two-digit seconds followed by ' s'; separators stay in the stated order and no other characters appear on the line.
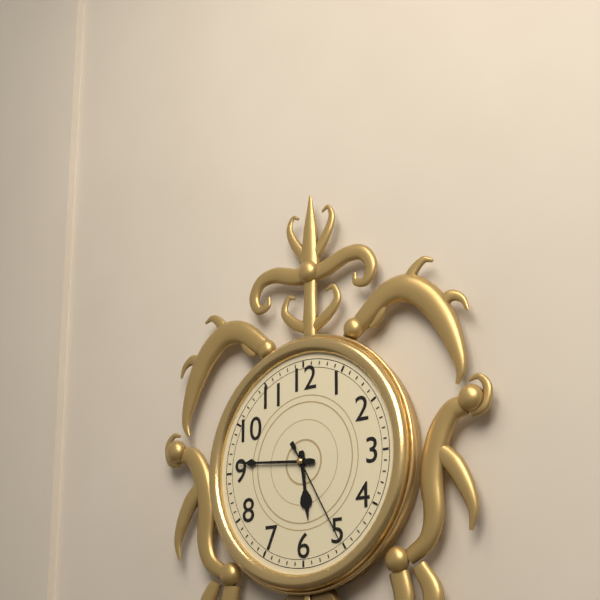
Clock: 5 h 46 min 25 s
